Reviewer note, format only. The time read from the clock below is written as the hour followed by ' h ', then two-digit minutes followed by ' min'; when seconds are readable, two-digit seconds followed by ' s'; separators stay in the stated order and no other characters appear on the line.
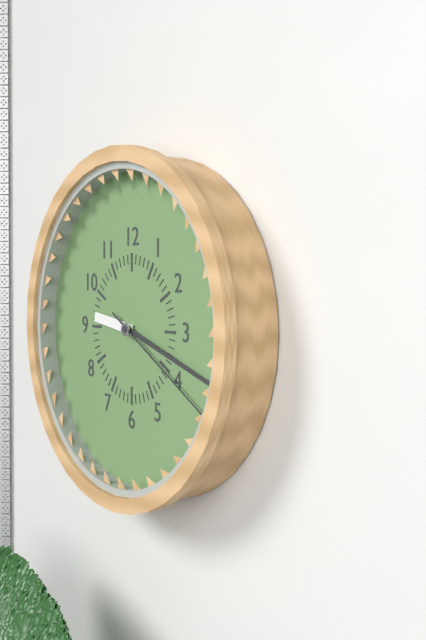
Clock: 9 h 18 min 20 s
